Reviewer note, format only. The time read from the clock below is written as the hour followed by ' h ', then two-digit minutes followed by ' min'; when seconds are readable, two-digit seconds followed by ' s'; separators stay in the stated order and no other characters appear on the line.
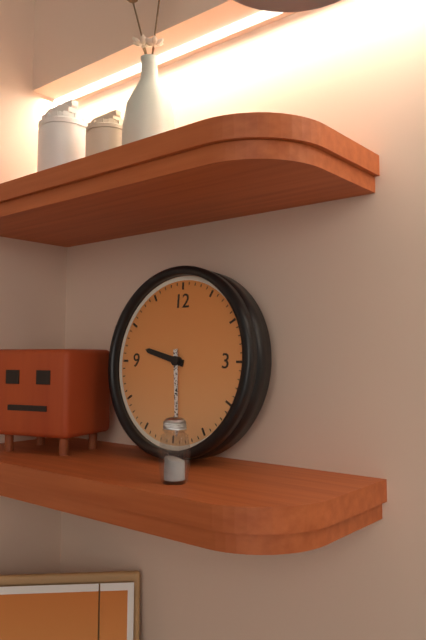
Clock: 9 h 29 min
